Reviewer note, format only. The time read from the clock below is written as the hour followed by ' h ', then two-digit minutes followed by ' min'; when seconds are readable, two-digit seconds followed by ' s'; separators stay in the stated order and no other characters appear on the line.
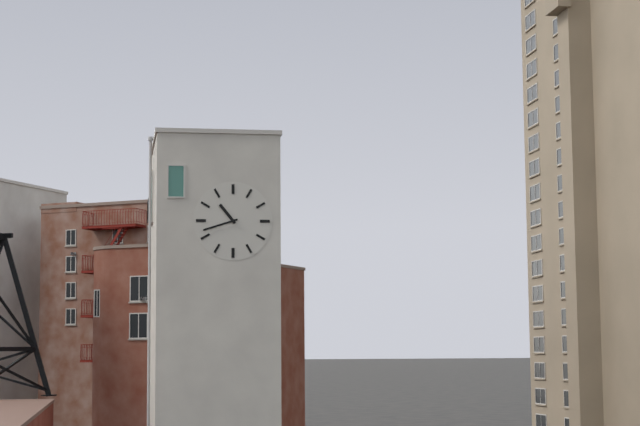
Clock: 10 h 42 min
